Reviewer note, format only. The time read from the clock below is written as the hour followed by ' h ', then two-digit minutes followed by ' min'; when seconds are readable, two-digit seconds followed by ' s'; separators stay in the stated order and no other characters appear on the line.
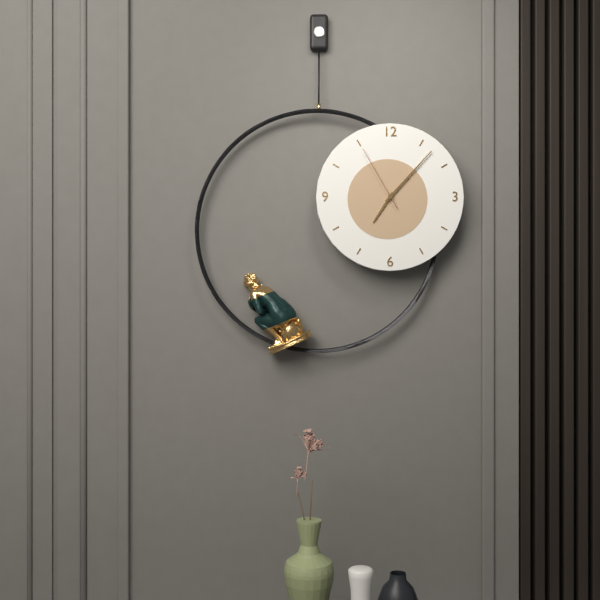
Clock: 7 h 07 min 55 s
